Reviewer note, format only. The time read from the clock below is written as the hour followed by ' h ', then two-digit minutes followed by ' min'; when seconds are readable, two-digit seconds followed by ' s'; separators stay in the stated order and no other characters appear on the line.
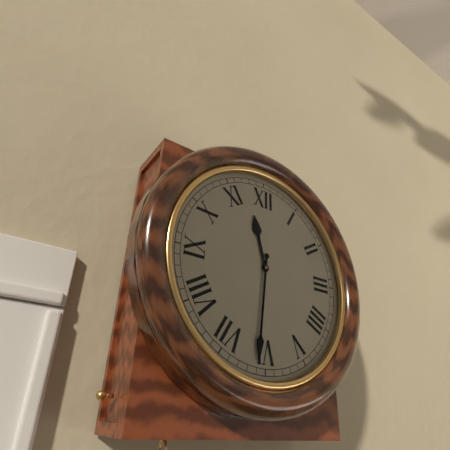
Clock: 11 h 31 min
